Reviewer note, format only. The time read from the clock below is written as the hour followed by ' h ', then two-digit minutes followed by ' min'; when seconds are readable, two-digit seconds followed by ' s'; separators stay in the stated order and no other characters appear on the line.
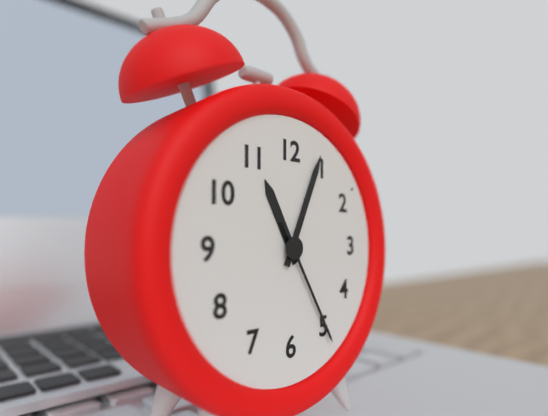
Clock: 11 h 04 min 25 s
